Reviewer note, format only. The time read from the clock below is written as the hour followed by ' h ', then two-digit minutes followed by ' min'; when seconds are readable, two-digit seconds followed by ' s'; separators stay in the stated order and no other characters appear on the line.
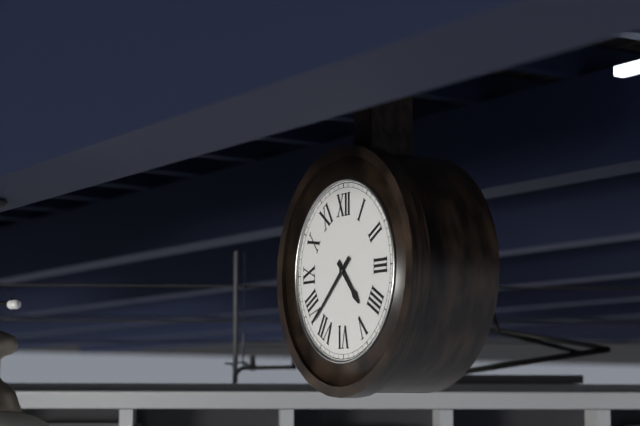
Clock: 4 h 38 min
